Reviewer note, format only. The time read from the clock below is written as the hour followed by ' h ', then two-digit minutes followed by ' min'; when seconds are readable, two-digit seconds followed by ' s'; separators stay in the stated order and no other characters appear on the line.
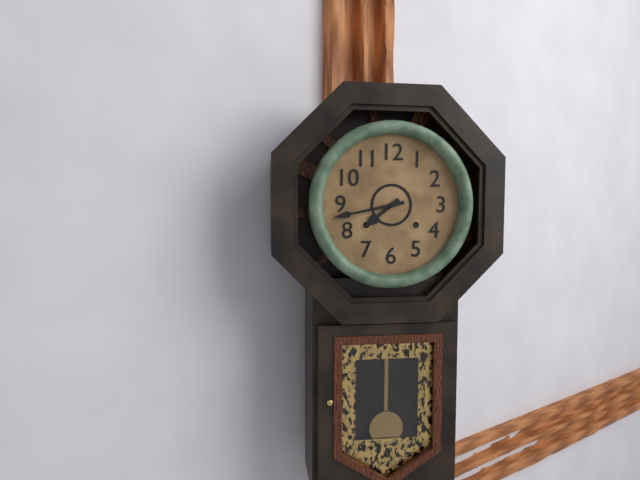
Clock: 7 h 43 min
